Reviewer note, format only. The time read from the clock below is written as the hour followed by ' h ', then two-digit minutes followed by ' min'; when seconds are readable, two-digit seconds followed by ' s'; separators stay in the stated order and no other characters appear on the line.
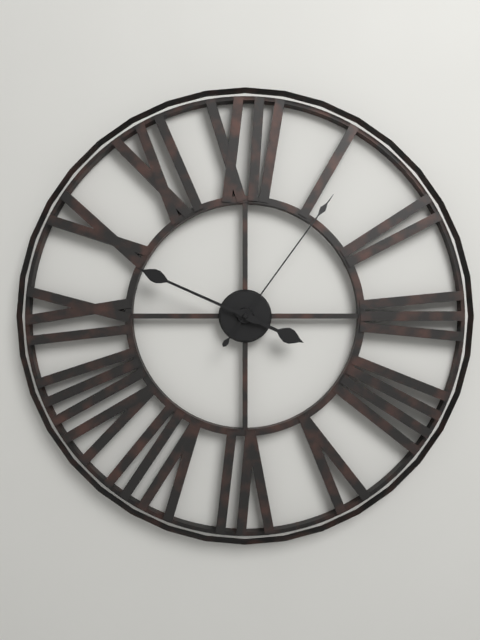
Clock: 3 h 49 min 06 s
